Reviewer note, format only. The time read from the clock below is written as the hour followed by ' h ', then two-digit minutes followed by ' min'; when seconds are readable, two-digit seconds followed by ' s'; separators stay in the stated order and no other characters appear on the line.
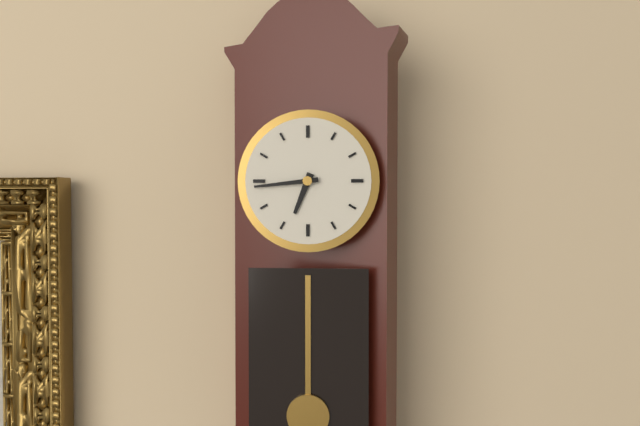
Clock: 6 h 44 min
